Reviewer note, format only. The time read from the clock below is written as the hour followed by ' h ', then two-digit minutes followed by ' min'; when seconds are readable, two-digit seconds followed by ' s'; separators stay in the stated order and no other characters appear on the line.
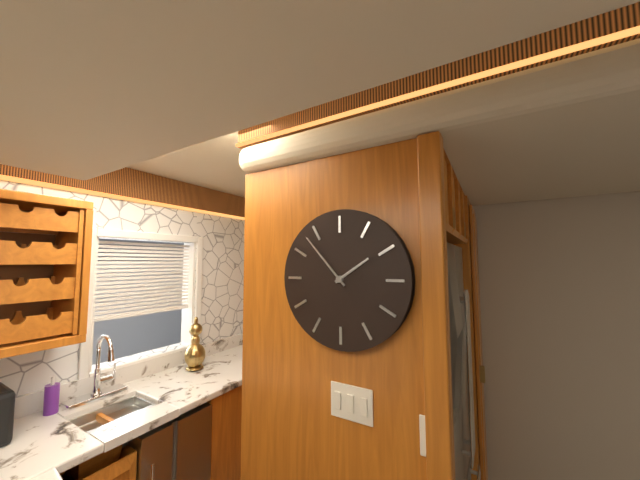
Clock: 1 h 53 min
